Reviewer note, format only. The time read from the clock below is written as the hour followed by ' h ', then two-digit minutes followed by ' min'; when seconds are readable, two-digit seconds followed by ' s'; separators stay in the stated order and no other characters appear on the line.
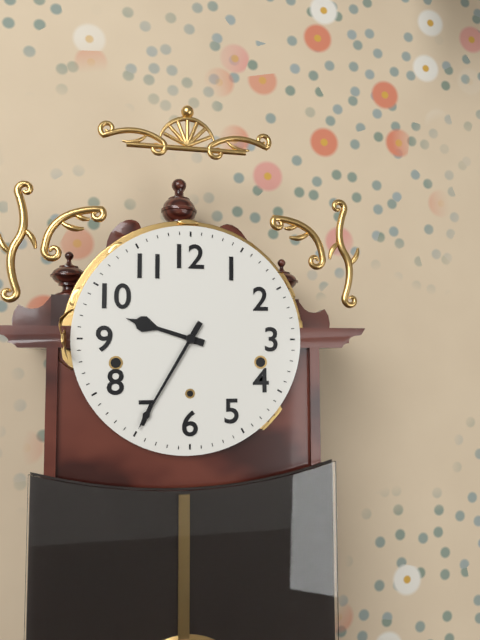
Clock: 9 h 35 min
